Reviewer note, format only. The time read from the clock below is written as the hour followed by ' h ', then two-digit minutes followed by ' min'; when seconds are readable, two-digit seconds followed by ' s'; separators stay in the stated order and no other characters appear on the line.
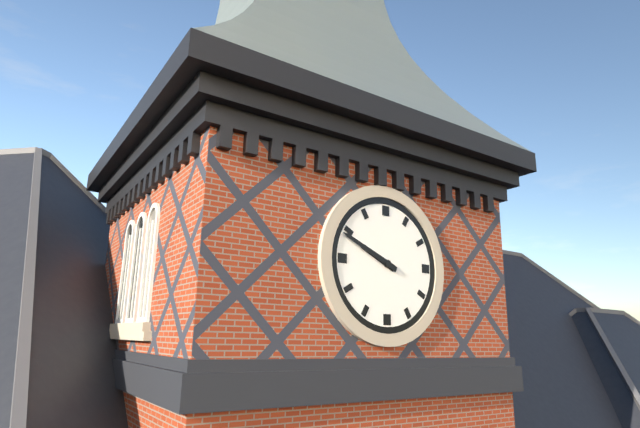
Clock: 9 h 49 min
